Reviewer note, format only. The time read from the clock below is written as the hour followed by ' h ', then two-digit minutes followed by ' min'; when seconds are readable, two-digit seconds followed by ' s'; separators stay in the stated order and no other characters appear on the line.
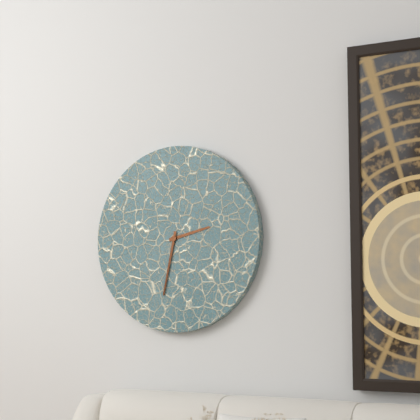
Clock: 2 h 32 min
